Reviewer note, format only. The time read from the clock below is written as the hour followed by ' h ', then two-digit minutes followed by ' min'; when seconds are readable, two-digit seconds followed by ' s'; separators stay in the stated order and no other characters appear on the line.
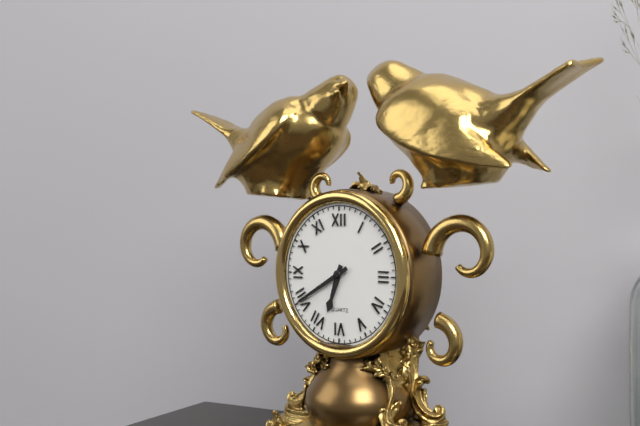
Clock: 6 h 40 min
